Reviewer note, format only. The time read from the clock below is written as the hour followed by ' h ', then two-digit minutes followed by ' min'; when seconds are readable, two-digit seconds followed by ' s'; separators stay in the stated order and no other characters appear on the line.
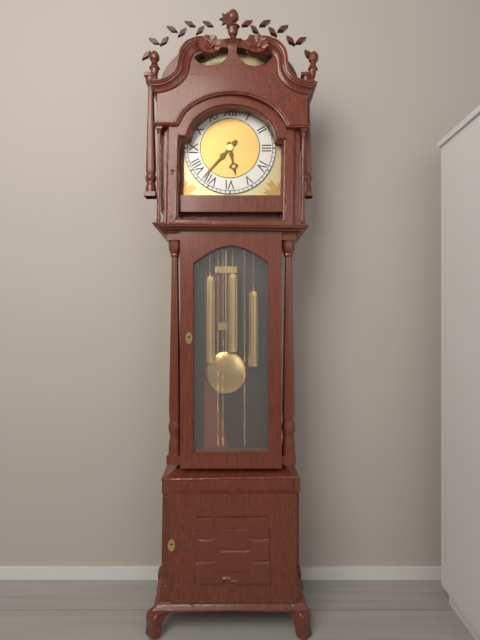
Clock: 5 h 37 min
